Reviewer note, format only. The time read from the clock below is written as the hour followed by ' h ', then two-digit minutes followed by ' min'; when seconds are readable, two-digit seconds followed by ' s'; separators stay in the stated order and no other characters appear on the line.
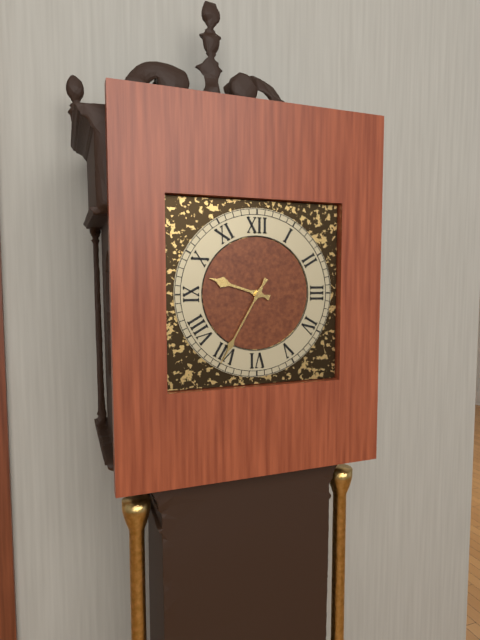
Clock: 9 h 35 min
